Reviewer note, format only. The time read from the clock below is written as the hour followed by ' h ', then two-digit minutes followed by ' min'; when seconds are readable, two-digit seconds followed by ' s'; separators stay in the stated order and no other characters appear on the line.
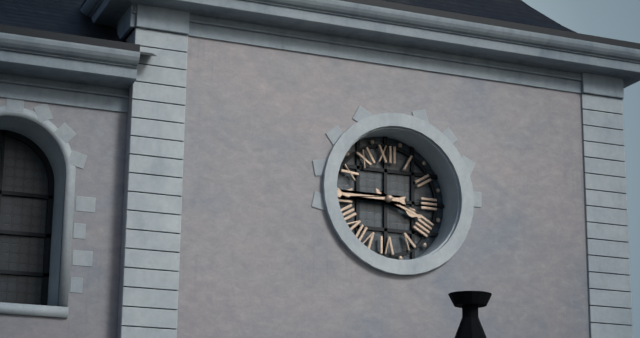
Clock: 3 h 45 min
